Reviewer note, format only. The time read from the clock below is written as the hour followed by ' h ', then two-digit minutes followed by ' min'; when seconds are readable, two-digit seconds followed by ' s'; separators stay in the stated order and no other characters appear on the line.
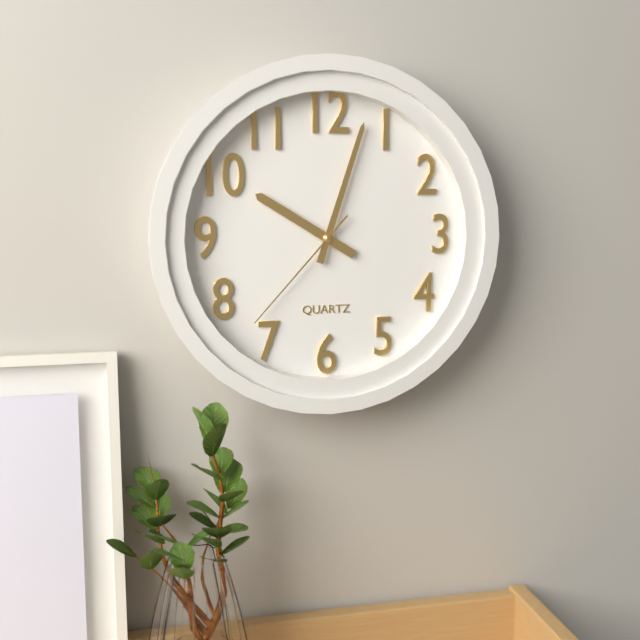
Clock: 10 h 03 min 37 s
